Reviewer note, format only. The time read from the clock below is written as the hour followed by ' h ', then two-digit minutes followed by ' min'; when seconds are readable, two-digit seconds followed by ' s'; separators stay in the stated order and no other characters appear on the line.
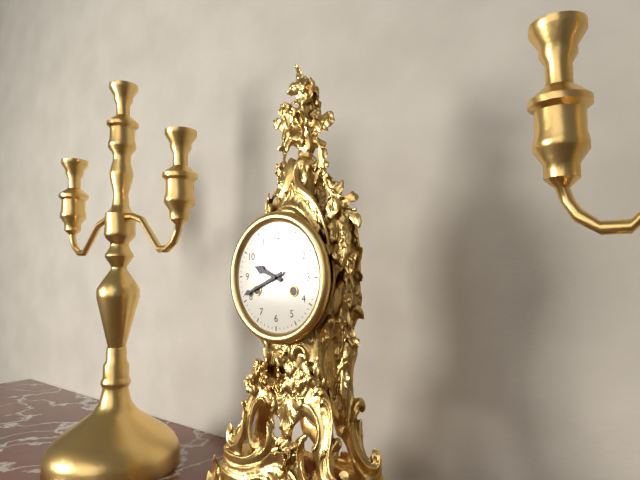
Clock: 9 h 41 min
